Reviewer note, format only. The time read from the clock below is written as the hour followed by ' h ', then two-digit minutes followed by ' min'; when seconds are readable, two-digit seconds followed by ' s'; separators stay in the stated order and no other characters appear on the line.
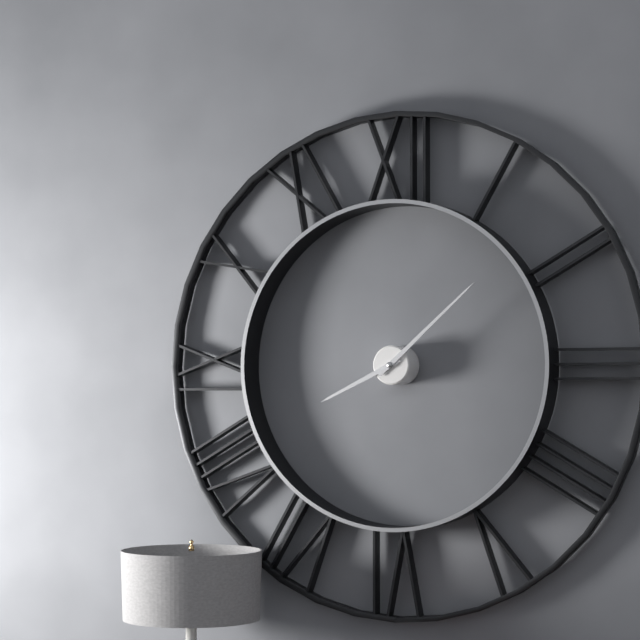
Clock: 8 h 08 min
